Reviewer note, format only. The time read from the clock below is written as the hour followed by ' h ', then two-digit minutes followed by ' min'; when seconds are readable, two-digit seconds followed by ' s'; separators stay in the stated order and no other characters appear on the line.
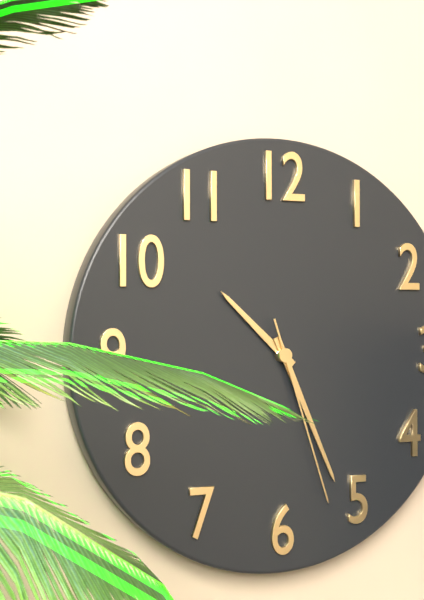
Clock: 10 h 26 min 27 s
